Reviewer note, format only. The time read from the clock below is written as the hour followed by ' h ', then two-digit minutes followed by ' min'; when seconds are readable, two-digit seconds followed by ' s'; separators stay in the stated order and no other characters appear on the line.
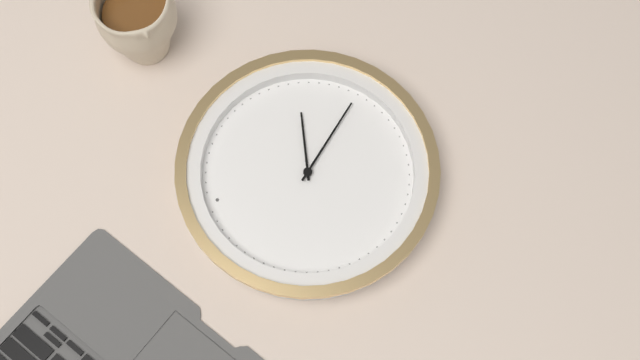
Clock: 3 h 23 min
